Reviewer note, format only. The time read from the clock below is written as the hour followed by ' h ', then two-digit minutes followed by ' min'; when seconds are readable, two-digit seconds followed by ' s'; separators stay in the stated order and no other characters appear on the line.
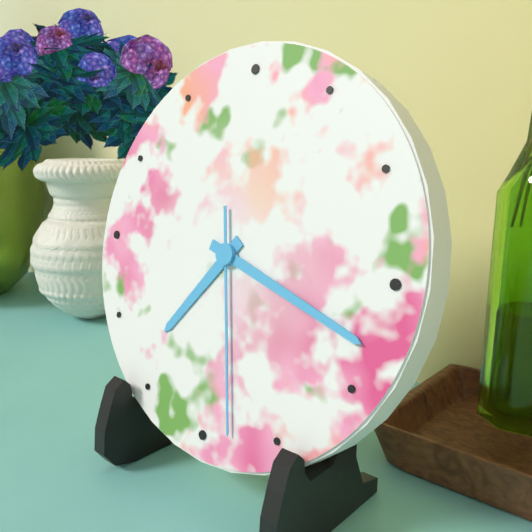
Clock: 7 h 18 min 28 s
